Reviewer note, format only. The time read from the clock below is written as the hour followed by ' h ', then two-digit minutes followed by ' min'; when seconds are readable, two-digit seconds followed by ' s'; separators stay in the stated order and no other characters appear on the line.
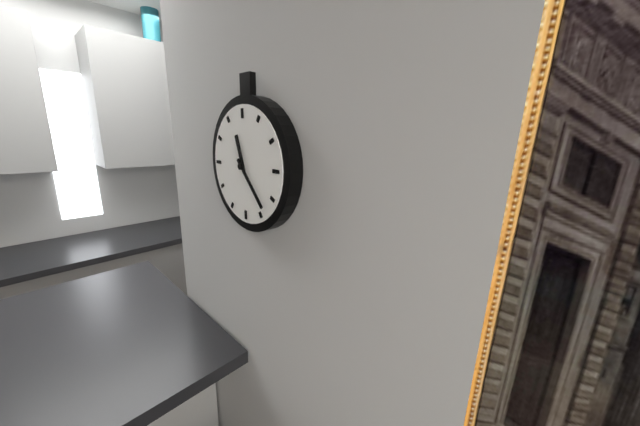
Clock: 11 h 23 min
